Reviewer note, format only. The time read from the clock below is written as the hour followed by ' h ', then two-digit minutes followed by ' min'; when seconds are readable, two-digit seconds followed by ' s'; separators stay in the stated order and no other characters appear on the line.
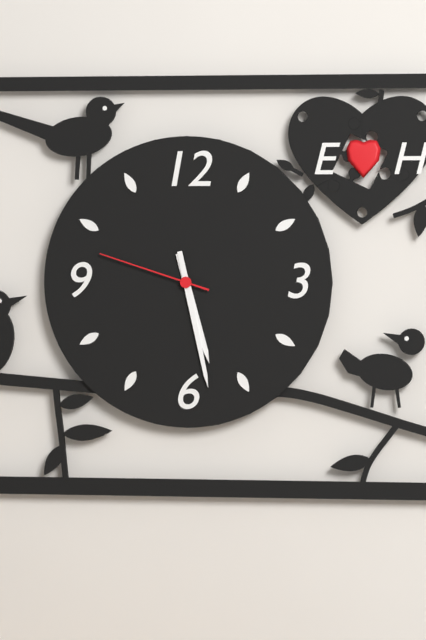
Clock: 5 h 28 min 48 s
